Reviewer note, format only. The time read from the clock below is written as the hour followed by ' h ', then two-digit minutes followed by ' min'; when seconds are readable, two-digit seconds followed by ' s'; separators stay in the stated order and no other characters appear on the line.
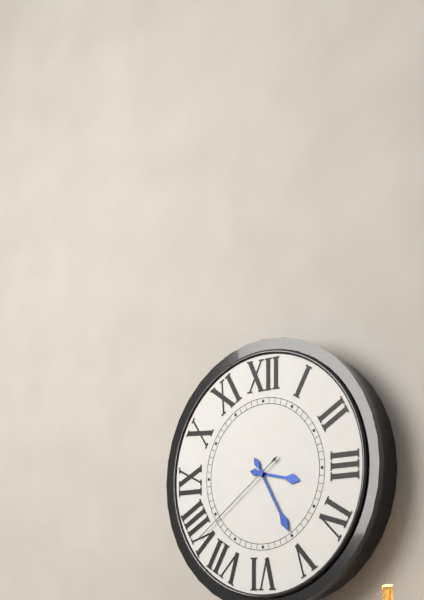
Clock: 3 h 25 min 39 s
